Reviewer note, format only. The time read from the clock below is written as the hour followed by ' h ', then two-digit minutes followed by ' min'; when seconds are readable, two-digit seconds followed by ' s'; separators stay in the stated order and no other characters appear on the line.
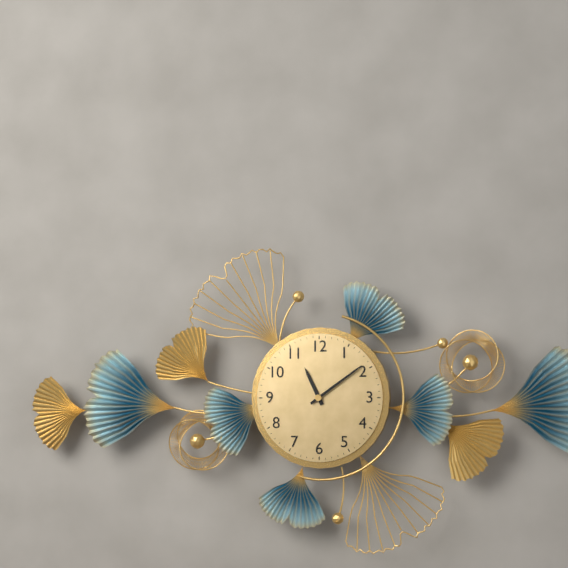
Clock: 11 h 09 min
